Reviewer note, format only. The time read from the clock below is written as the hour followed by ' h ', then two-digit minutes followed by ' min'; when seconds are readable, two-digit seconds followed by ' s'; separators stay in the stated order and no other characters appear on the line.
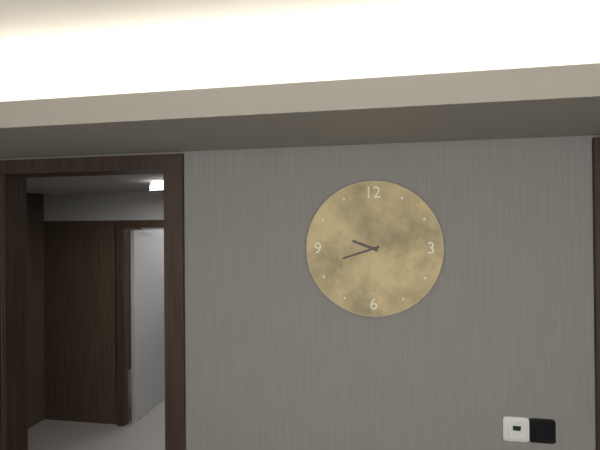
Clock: 9 h 42 min
